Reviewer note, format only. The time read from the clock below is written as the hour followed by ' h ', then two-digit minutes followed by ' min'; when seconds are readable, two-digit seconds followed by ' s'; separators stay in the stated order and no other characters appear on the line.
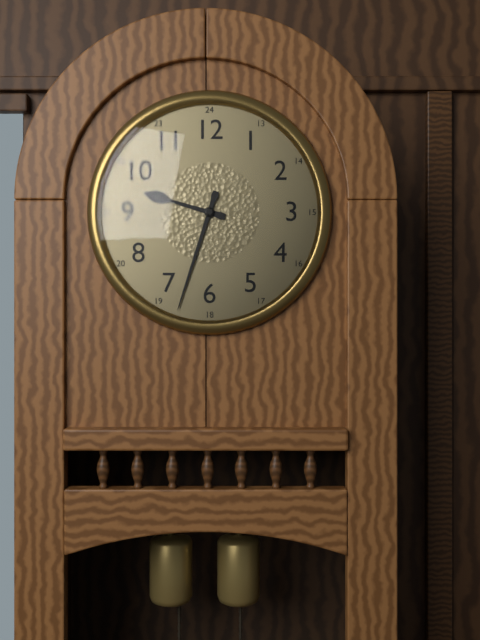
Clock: 9 h 33 min
